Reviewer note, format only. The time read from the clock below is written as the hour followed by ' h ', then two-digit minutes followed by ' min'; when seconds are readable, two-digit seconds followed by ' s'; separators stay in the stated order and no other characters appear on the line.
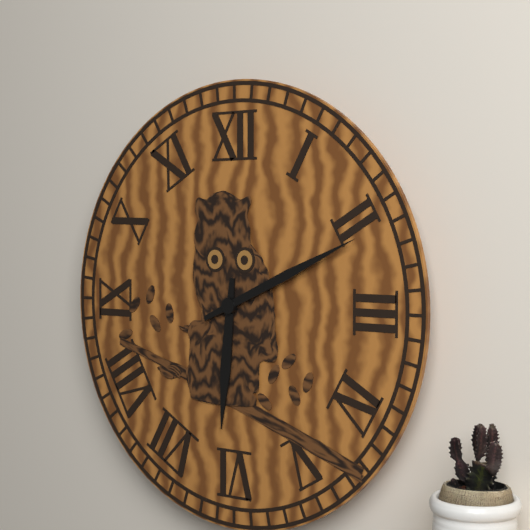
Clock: 6 h 11 min
